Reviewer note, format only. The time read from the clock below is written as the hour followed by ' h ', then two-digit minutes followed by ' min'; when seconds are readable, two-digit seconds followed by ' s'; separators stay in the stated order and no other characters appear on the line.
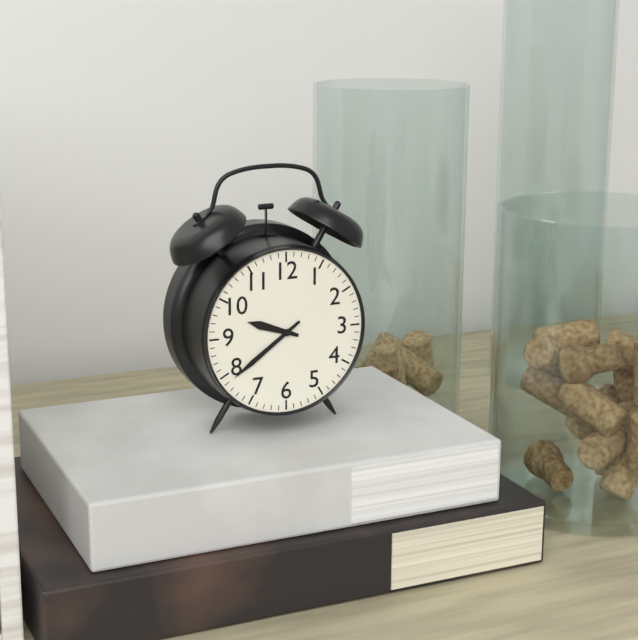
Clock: 9 h 39 min
